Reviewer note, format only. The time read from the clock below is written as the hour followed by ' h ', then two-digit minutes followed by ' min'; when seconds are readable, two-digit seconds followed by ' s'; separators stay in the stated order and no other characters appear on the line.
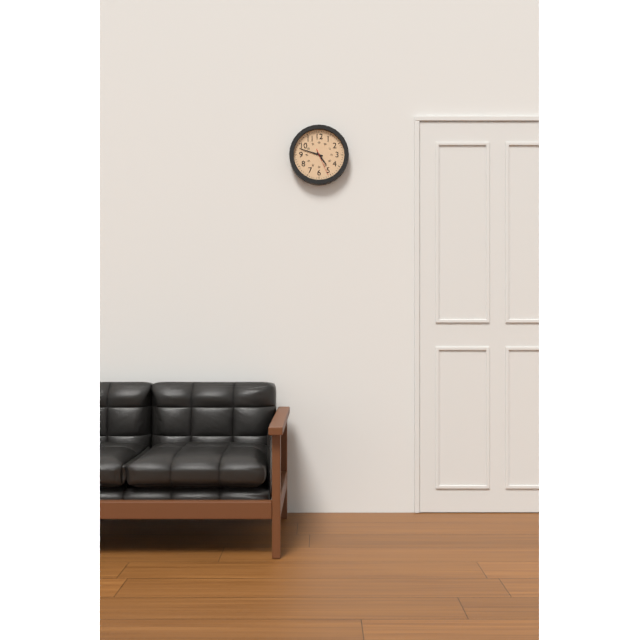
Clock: 4 h 48 min
